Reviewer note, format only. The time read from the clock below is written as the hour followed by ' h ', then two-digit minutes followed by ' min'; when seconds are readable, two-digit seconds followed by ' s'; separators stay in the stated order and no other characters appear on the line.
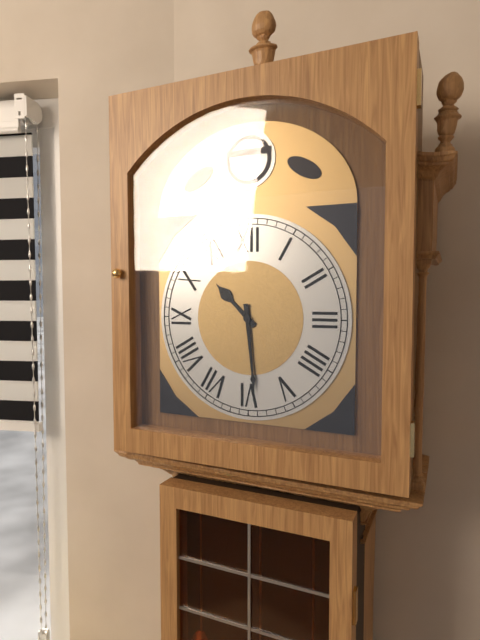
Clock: 10 h 29 min
